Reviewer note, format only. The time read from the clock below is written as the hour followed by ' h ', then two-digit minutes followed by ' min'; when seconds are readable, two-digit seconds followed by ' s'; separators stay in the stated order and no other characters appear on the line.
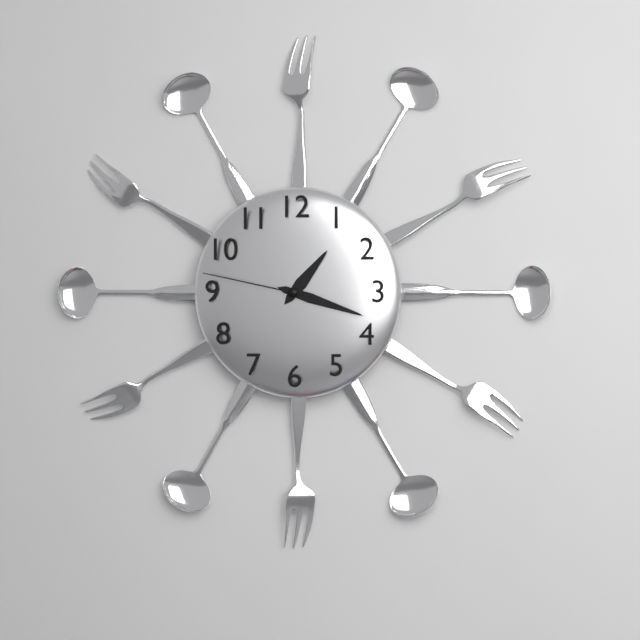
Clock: 1 h 18 min 47 s
